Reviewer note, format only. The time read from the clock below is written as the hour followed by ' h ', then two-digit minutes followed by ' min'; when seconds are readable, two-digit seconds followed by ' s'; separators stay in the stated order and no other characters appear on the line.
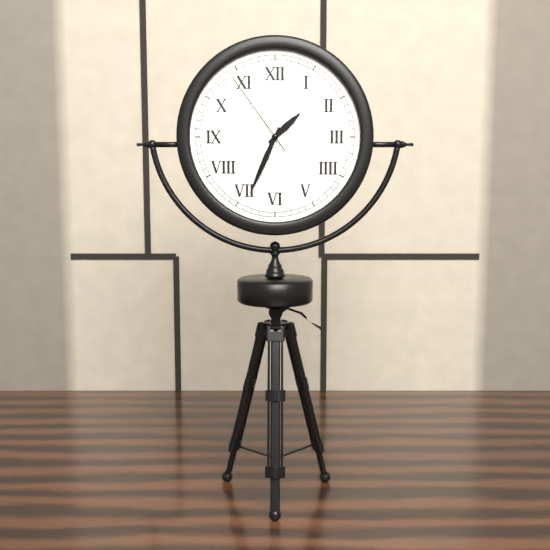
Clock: 1 h 34 min 54 s
